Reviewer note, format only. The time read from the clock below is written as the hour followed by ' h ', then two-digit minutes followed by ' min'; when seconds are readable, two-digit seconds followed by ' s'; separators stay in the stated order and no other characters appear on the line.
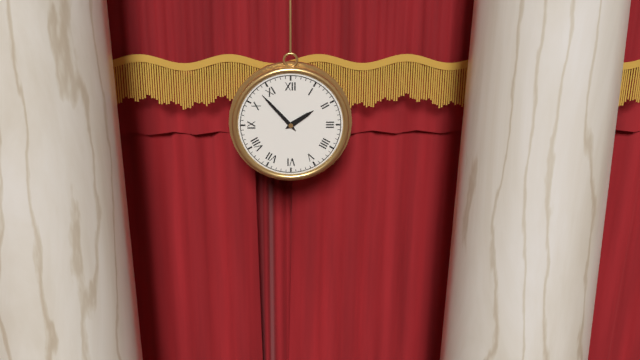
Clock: 1 h 53 min
